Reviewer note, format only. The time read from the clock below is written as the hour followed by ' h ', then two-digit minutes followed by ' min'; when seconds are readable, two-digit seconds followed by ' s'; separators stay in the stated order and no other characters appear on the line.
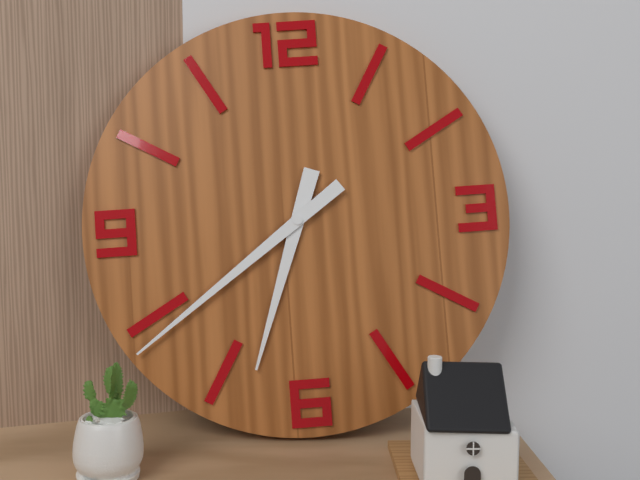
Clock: 6 h 39 min
